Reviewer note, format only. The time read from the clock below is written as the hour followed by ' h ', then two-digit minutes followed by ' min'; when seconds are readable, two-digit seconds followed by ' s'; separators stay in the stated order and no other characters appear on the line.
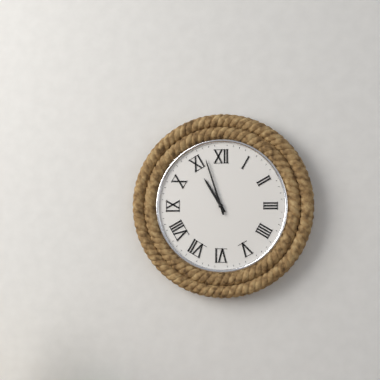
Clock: 10 h 57 min
